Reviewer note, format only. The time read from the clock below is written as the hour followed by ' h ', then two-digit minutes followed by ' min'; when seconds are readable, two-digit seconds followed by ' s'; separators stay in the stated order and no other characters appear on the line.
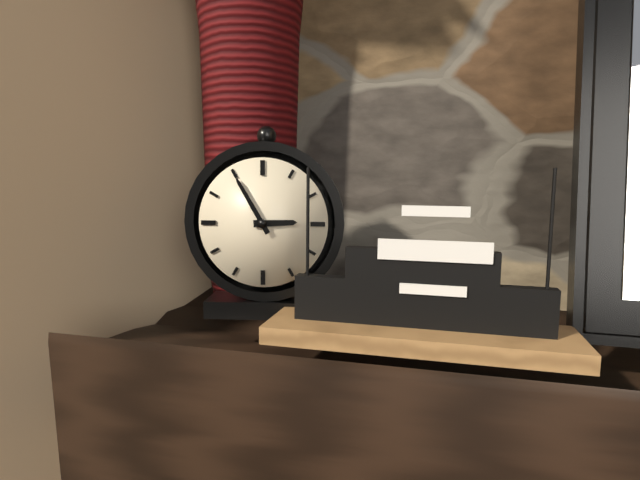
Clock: 2 h 55 min
